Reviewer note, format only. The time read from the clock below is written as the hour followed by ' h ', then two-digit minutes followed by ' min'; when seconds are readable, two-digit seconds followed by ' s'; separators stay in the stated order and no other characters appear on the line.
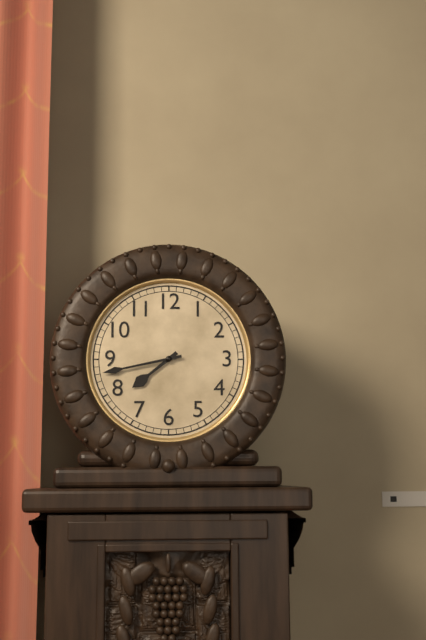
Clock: 7 h 43 min
